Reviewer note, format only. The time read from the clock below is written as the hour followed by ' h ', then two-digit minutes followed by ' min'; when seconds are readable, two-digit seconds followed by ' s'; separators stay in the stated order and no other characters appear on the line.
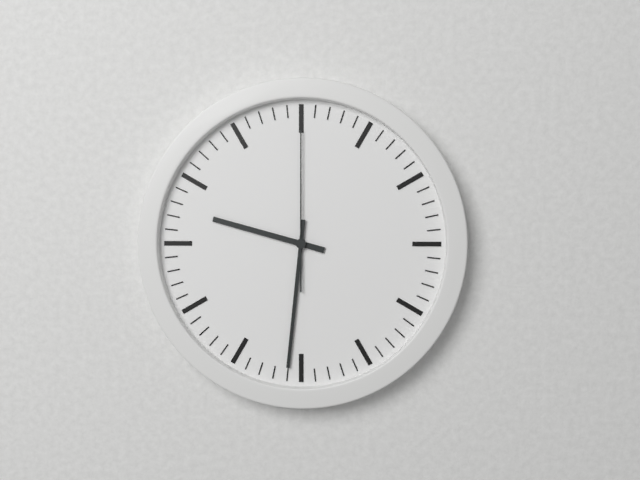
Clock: 9 h 31 min 00 s
